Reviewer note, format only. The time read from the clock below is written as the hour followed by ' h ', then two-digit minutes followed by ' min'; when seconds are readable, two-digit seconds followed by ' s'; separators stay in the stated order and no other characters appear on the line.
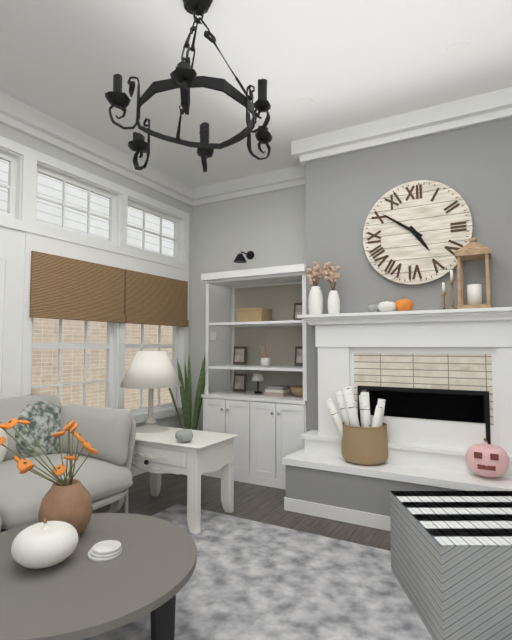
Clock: 4 h 51 min
